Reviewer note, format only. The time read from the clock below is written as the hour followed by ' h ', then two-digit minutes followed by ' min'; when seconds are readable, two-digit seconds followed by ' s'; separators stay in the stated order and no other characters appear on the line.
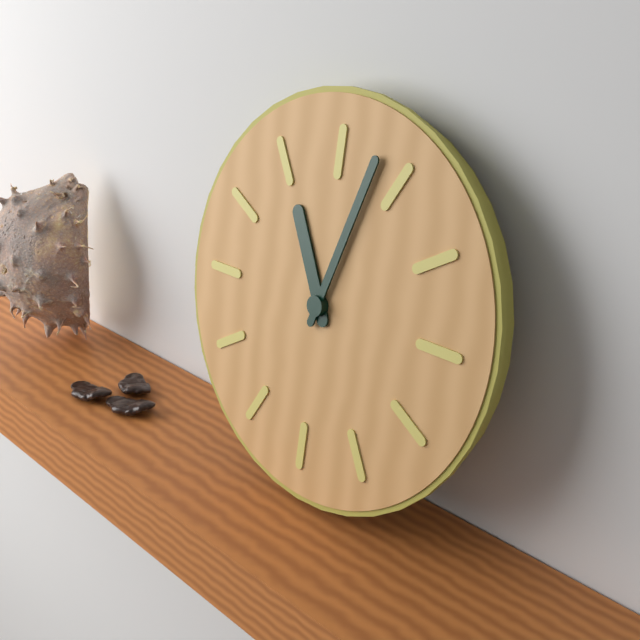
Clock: 11 h 03 min
